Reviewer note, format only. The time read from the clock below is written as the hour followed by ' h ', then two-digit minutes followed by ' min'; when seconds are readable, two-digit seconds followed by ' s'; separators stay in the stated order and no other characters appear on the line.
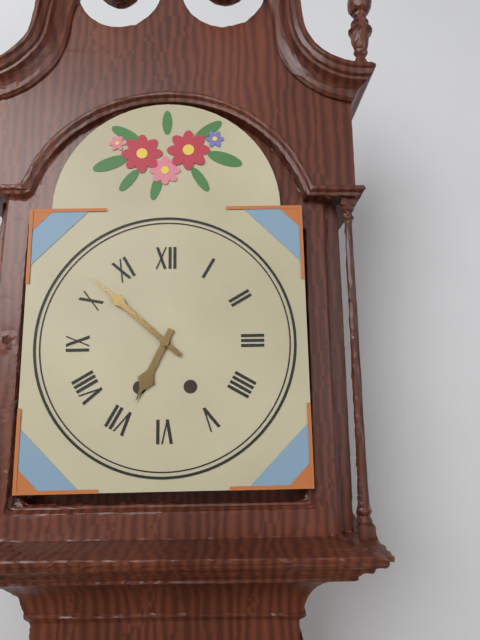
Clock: 6 h 52 min
